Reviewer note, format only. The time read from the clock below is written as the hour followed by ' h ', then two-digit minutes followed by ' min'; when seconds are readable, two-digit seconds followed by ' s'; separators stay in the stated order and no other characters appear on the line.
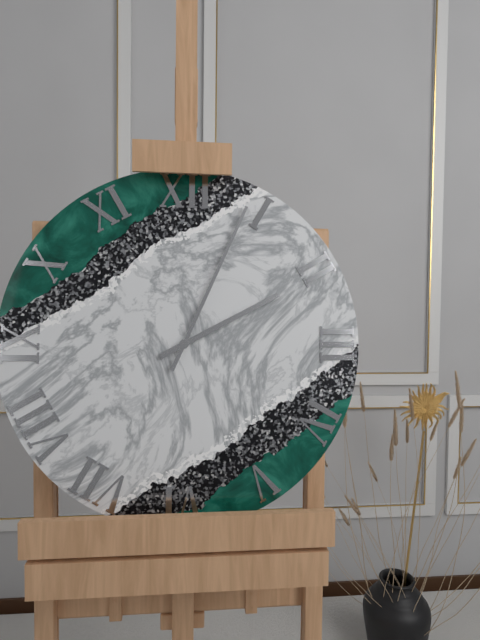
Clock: 2 h 04 min
